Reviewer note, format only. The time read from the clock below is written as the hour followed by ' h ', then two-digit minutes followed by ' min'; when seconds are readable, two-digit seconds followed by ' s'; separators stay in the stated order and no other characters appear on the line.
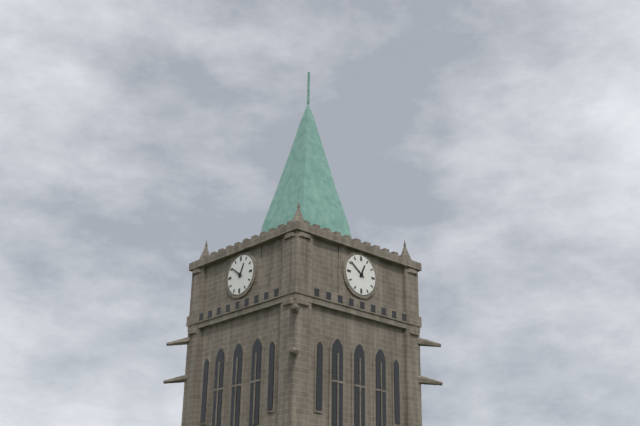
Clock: 12 h 51 min
